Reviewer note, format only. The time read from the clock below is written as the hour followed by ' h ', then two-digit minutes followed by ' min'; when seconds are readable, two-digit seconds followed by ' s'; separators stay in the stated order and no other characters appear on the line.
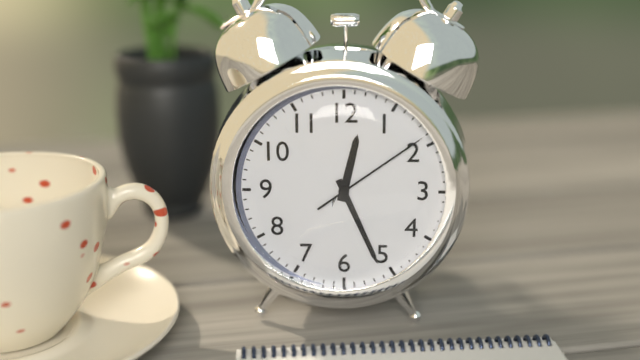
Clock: 12 h 26 min 09 s
